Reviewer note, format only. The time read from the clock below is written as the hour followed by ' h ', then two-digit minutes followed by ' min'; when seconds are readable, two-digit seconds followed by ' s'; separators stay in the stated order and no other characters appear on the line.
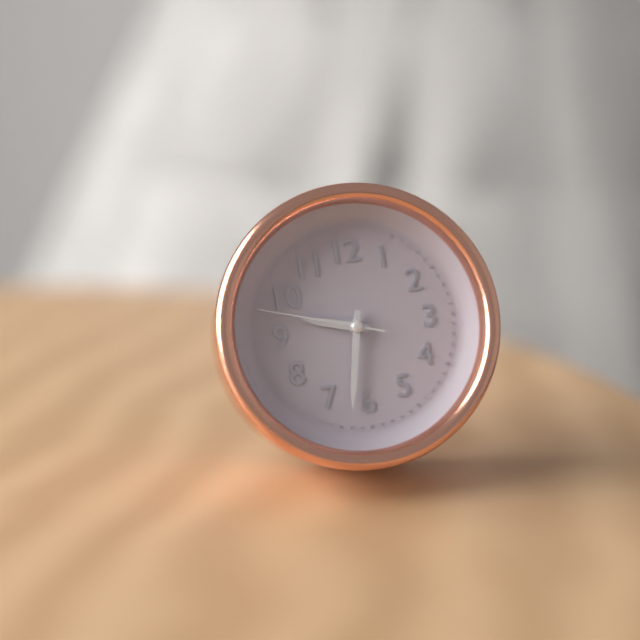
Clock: 9 h 32 min 48 s
